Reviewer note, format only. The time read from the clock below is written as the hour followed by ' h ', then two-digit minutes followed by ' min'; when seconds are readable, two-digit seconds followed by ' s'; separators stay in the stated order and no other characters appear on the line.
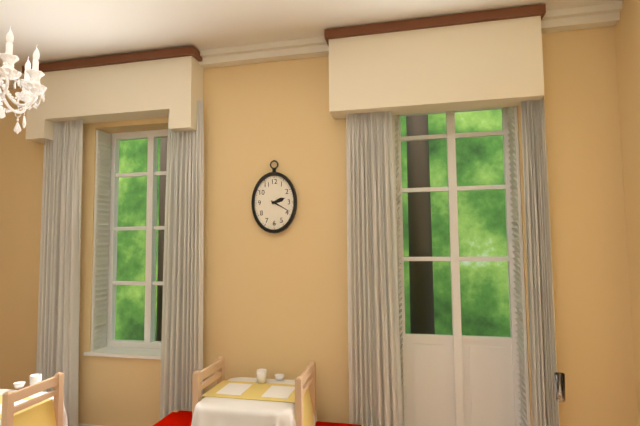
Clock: 2 h 20 min
